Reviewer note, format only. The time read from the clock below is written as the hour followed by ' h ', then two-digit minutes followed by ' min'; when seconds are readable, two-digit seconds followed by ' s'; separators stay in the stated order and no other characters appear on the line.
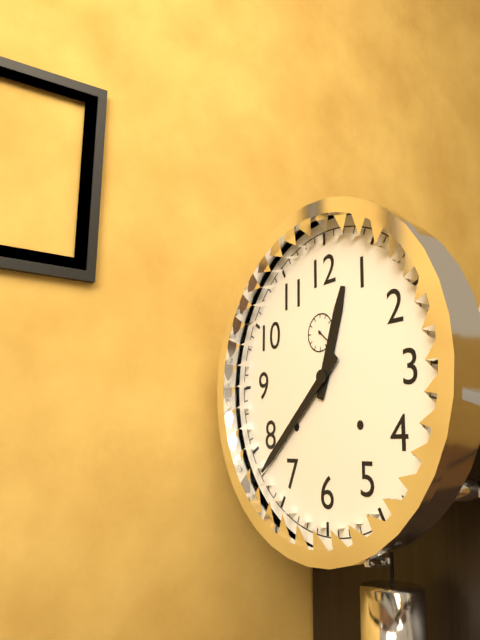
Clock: 12 h 38 min
